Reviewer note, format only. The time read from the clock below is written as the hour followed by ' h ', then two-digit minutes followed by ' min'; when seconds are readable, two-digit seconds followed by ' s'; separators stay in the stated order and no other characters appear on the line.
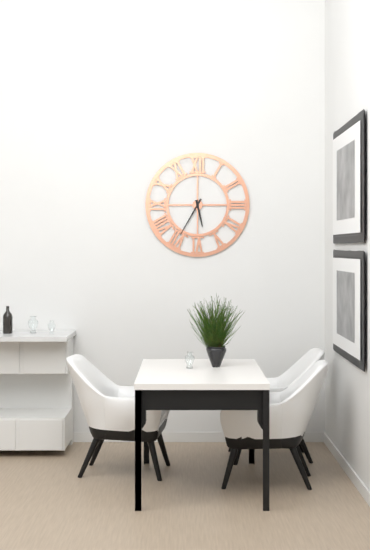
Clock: 5 h 35 min
